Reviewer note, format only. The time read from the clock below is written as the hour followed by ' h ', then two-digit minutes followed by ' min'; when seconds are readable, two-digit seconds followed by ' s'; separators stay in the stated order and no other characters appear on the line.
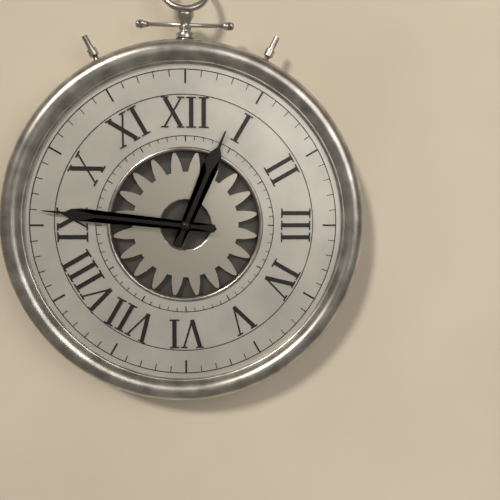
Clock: 12 h 46 min
